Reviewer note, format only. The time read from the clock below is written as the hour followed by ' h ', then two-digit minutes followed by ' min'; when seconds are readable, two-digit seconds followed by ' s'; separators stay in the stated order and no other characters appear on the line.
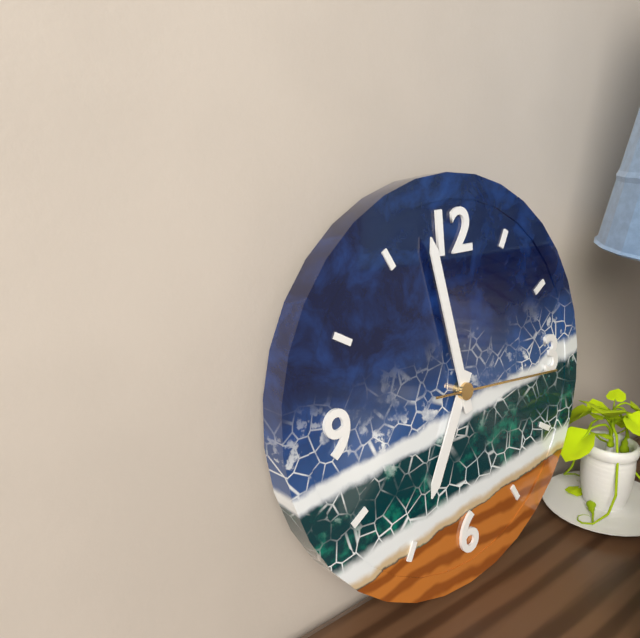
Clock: 6 h 58 min 16 s
